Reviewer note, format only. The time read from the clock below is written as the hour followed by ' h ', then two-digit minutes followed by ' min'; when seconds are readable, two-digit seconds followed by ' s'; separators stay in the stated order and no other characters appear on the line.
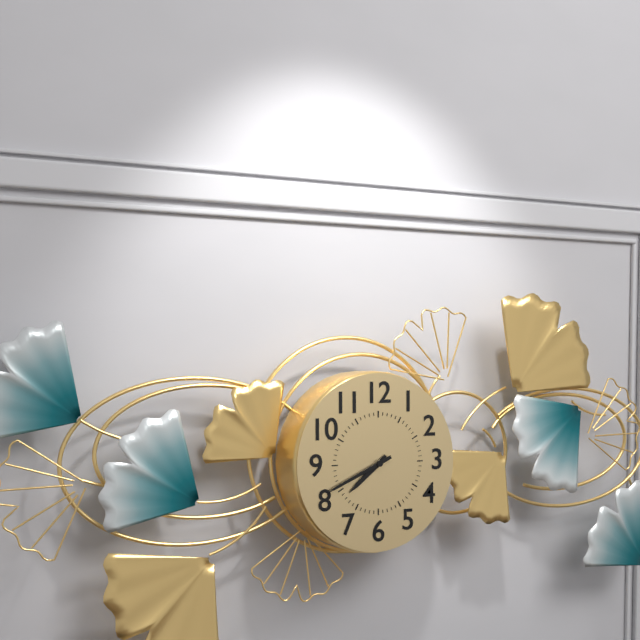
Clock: 7 h 41 min
